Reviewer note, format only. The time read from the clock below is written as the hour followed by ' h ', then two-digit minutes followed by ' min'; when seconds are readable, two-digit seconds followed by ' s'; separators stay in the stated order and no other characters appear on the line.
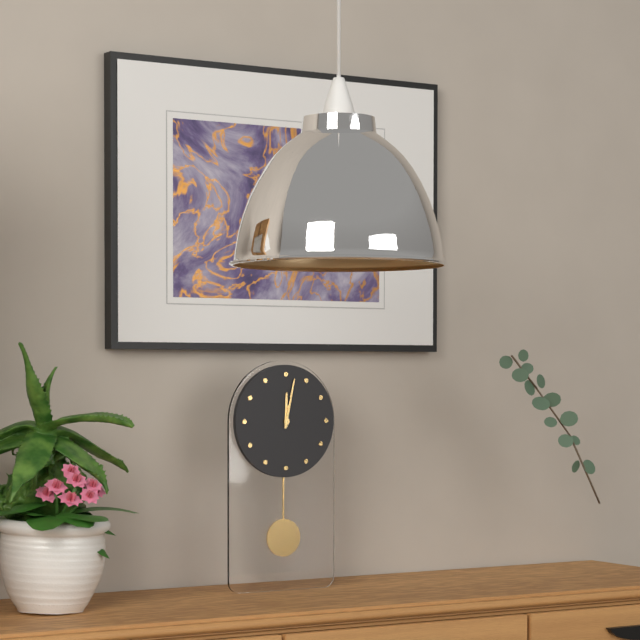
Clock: 12 h 02 min
